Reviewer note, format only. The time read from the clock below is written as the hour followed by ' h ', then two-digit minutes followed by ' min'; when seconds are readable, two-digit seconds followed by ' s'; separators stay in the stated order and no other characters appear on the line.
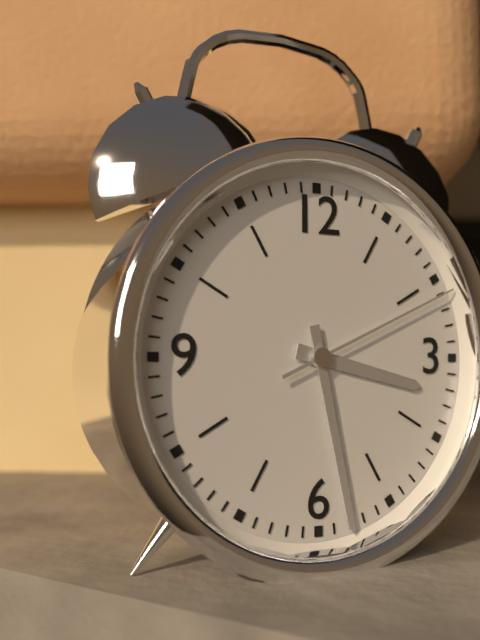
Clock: 3 h 28 min 11 s
